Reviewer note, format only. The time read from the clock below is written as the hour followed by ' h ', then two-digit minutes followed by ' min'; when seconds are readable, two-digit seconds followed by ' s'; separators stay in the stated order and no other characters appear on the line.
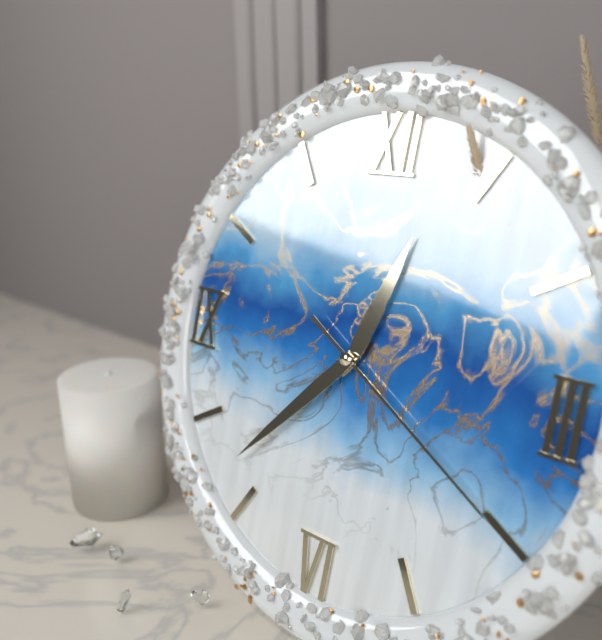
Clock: 12 h 37 min 20 s
